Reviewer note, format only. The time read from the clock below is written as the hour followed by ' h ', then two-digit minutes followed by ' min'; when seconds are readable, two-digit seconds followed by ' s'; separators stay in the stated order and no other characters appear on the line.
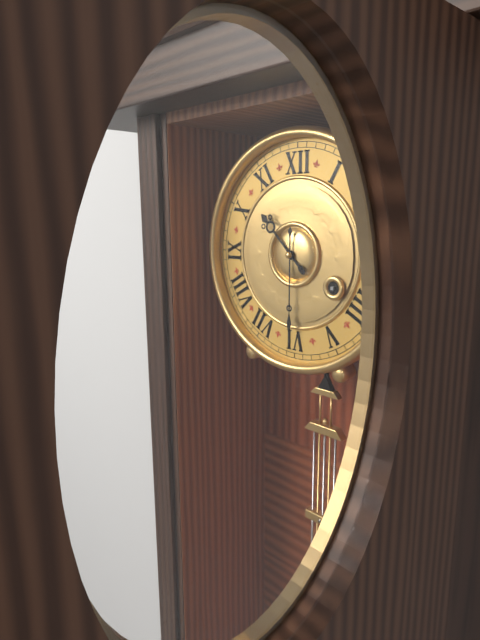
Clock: 10 h 30 min
